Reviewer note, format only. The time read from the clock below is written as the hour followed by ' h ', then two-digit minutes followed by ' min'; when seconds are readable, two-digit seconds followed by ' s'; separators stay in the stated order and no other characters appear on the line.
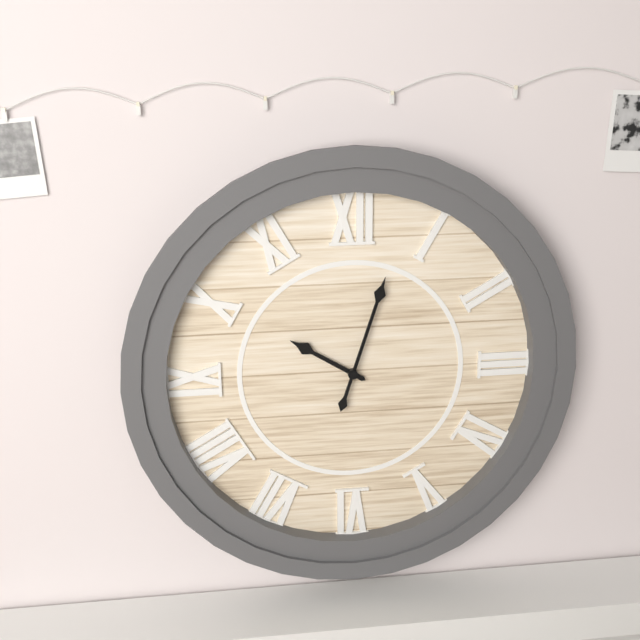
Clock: 10 h 03 min
